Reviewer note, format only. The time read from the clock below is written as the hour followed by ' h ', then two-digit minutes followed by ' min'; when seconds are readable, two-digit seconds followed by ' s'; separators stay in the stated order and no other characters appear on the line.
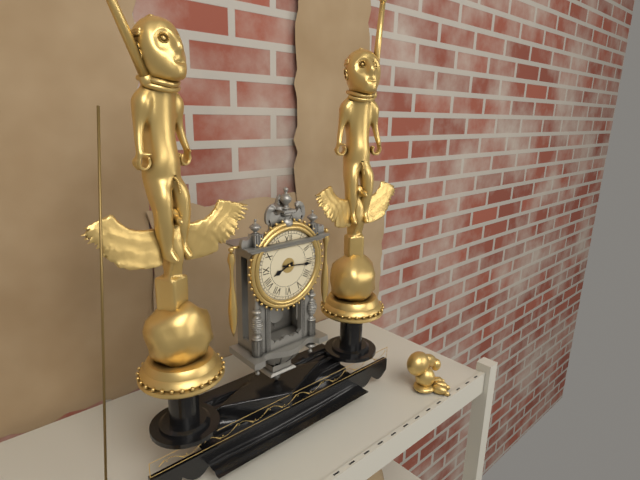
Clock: 8 h 16 min
